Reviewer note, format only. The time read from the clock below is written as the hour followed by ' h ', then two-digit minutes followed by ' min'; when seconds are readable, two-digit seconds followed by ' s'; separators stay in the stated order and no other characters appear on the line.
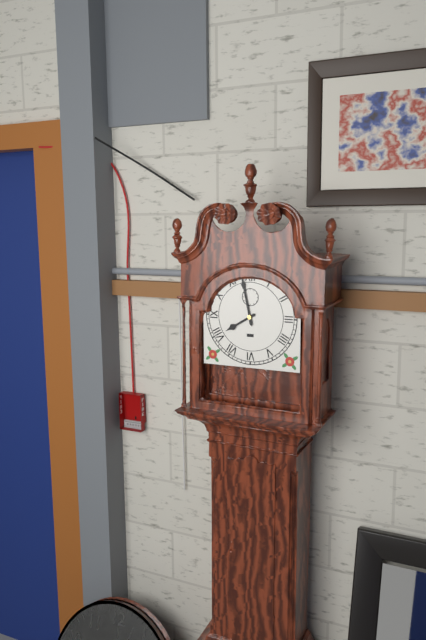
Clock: 7 h 58 min
